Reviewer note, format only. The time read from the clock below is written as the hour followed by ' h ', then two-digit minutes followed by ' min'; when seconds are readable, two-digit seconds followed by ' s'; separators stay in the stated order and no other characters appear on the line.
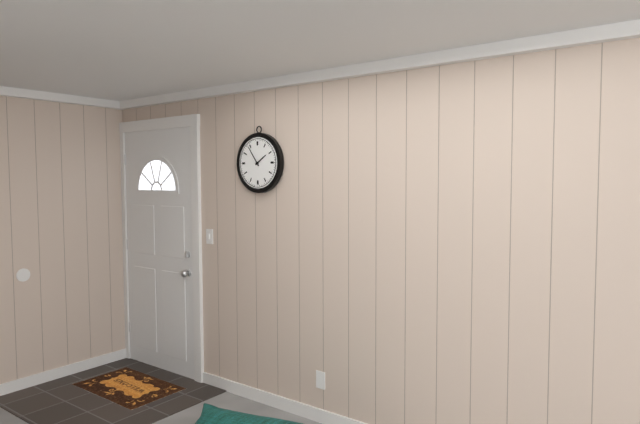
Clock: 1 h 54 min
